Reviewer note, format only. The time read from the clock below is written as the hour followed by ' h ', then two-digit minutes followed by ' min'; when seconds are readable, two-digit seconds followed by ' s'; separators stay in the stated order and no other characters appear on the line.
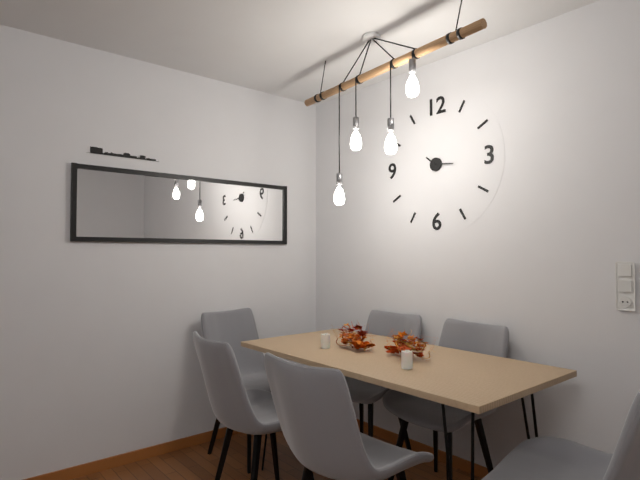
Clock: 10 h 16 min
